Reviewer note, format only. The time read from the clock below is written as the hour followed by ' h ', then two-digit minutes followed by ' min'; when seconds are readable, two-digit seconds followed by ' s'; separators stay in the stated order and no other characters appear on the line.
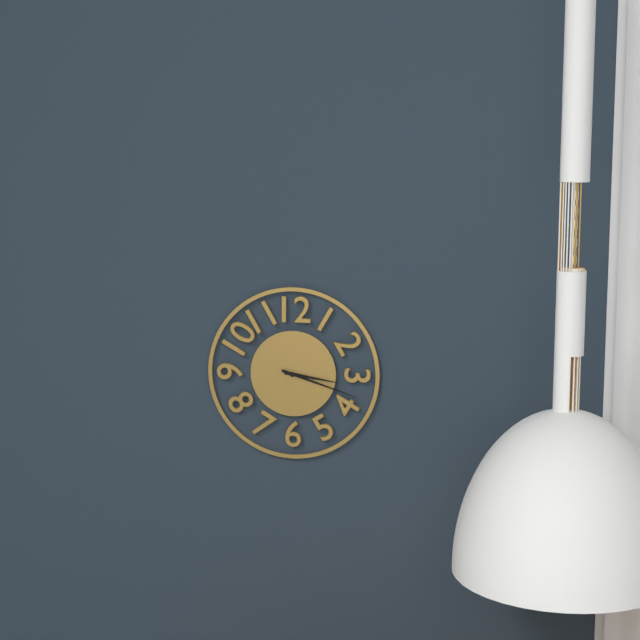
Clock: 3 h 18 min
